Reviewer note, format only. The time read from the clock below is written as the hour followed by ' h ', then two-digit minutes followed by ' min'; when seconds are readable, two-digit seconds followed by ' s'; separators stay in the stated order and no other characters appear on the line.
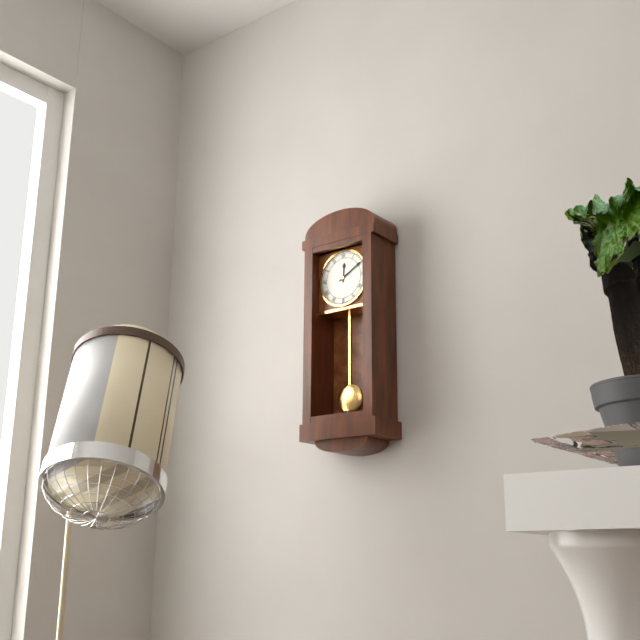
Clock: 12 h 10 min
